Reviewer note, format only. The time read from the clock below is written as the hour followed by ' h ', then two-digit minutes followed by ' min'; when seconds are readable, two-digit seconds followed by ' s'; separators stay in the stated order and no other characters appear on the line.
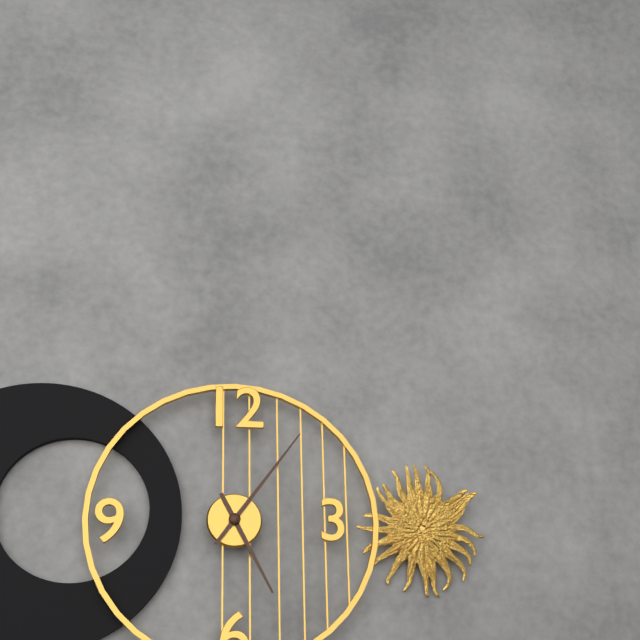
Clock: 5 h 06 min
